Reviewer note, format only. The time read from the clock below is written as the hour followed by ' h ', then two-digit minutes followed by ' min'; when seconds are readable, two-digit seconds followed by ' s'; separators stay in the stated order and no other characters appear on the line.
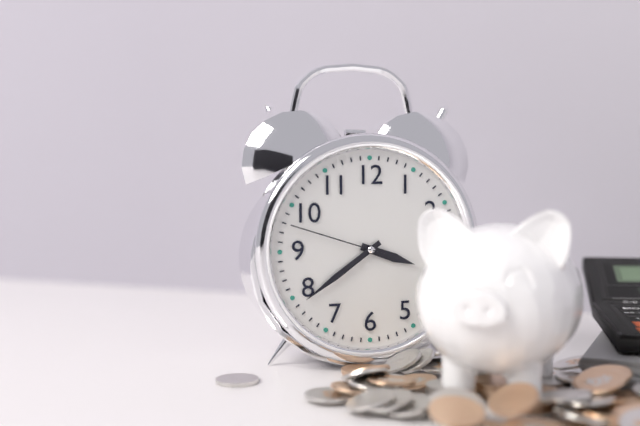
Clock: 3 h 39 min 48 s
